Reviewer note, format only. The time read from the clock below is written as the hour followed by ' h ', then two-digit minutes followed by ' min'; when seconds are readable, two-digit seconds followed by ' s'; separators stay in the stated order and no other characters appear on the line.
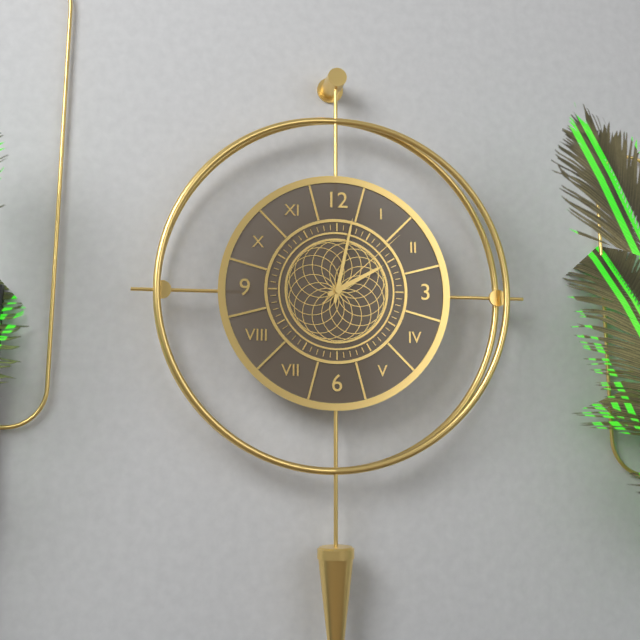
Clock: 2 h 02 min 08 s
